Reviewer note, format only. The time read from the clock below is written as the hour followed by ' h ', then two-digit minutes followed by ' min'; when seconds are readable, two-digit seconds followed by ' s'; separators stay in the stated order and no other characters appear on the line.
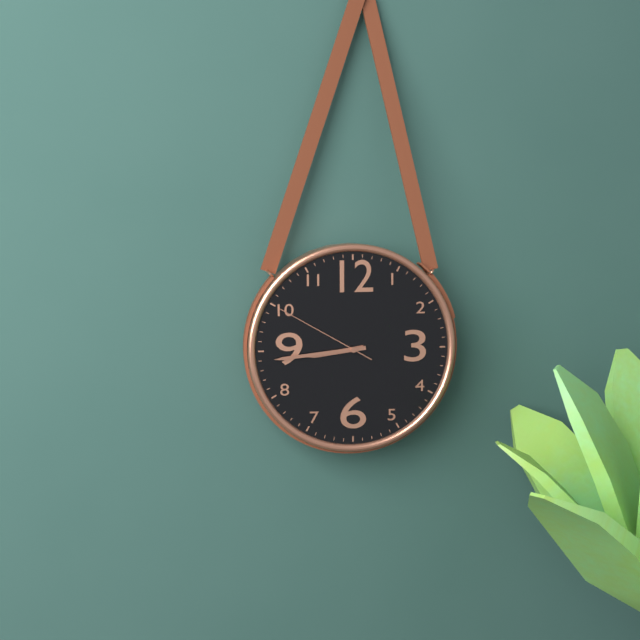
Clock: 8 h 44 min 50 s
